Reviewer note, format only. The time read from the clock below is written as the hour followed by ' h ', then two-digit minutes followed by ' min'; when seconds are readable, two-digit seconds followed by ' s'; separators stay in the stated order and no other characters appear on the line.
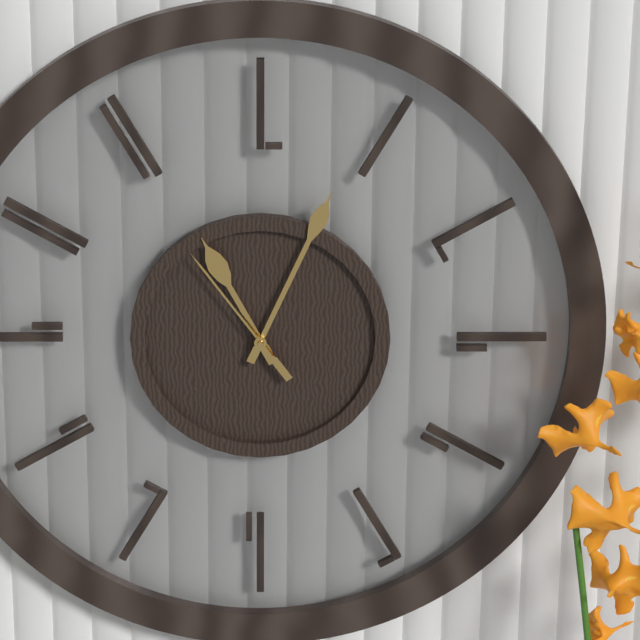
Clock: 11 h 04 min 54 s
